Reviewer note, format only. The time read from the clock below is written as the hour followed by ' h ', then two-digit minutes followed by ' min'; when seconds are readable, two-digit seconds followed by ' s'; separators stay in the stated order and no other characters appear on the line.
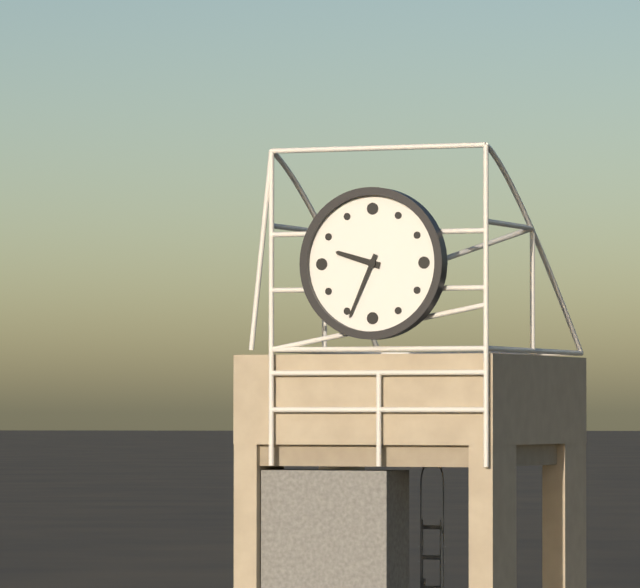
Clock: 9 h 34 min
